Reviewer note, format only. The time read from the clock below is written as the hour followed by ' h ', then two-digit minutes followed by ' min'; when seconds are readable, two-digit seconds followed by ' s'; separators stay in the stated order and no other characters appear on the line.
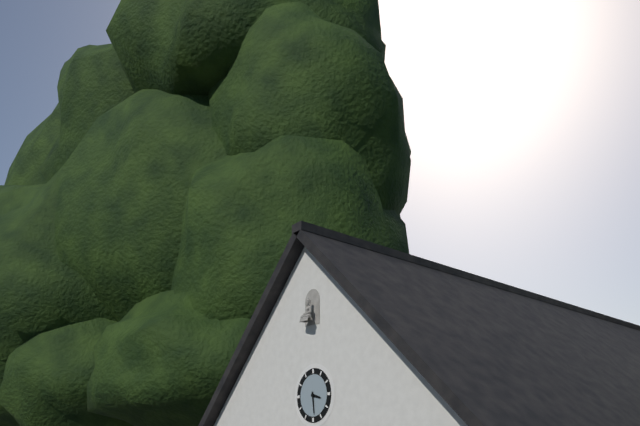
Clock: 3 h 29 min
